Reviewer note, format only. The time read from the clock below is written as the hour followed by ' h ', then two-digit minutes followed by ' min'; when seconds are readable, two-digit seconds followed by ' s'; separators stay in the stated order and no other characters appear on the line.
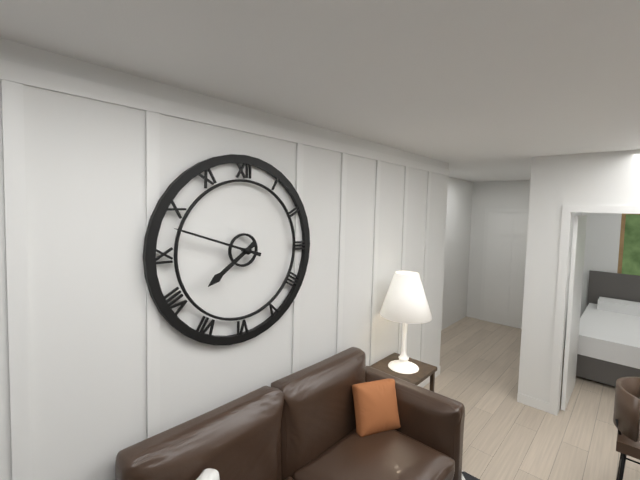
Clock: 7 h 48 min
